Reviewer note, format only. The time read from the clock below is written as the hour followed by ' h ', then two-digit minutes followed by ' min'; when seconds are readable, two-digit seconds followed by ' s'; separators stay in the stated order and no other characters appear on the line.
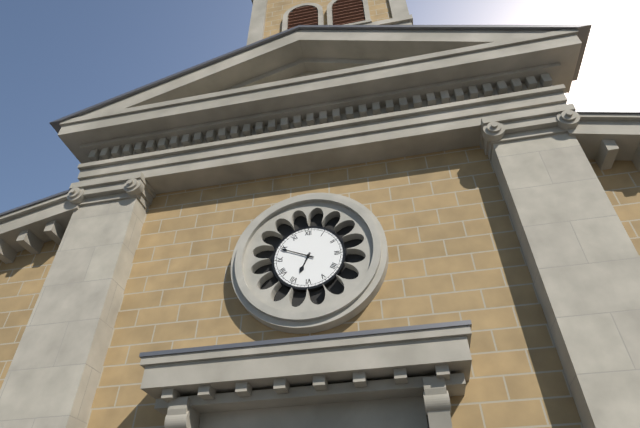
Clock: 6 h 49 min
